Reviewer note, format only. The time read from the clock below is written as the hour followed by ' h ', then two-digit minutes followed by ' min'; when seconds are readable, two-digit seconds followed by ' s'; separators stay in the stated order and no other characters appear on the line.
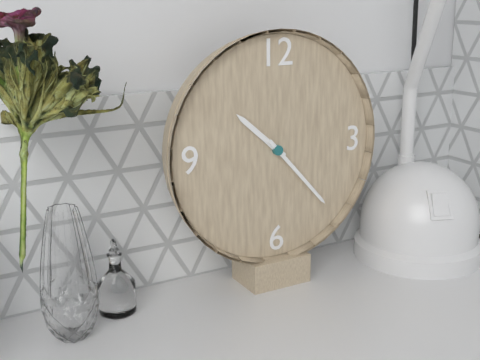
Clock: 10 h 23 min
